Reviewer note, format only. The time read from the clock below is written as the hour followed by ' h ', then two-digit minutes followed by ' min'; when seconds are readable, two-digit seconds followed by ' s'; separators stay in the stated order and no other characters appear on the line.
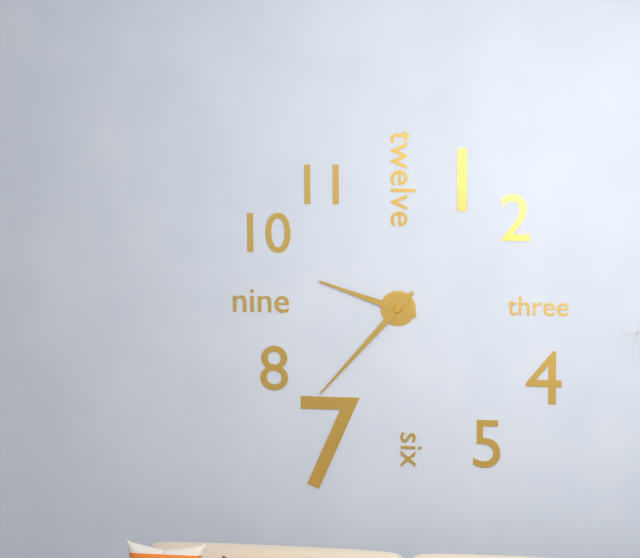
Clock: 9 h 37 min
